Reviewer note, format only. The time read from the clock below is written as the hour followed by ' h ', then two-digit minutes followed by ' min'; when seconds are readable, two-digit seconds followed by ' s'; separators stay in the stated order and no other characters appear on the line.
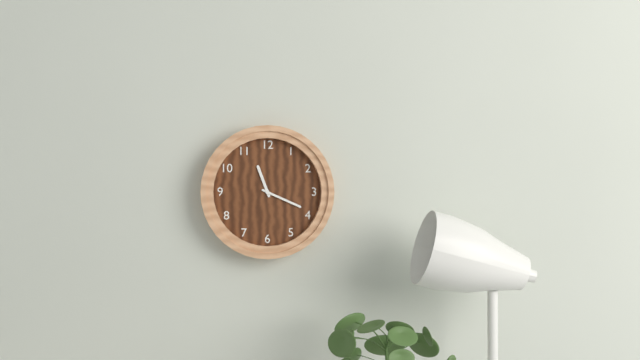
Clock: 11 h 19 min
